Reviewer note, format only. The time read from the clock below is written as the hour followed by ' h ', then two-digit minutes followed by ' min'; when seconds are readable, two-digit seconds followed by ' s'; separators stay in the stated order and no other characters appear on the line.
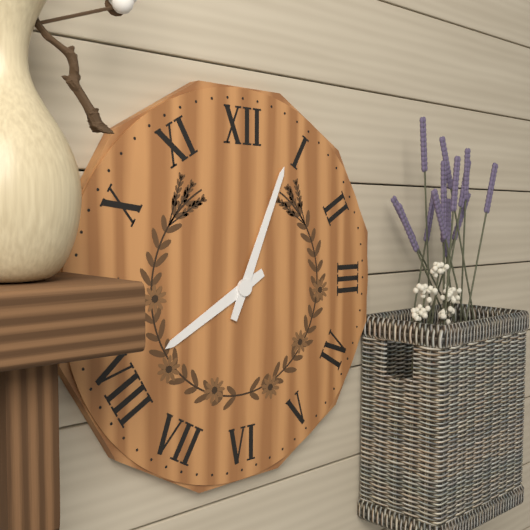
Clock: 8 h 04 min
